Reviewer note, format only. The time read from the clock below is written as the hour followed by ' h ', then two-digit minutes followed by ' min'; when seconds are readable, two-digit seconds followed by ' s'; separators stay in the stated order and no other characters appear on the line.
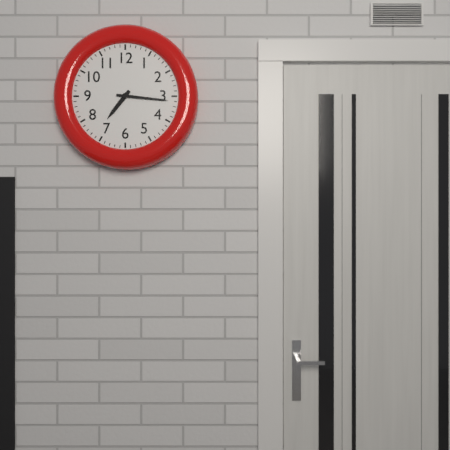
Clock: 7 h 16 min
